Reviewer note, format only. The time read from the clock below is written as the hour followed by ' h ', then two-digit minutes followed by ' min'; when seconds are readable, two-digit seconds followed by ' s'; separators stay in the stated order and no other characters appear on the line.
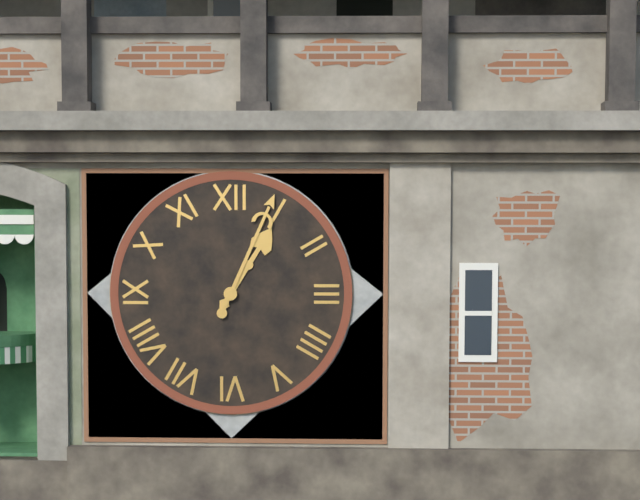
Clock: 1 h 04 min
